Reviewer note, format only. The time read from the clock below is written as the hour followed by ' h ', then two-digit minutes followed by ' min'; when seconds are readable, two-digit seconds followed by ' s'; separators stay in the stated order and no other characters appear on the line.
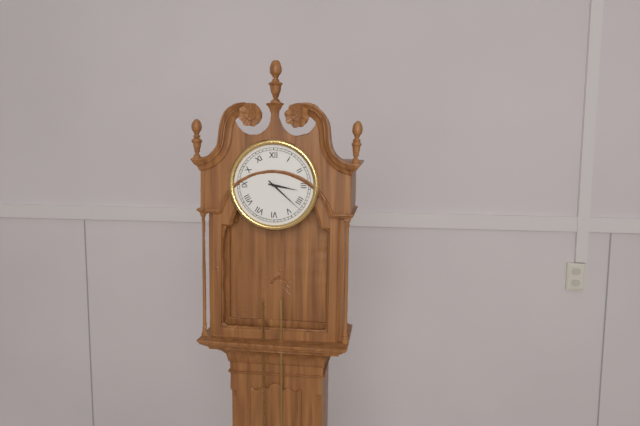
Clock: 3 h 22 min
